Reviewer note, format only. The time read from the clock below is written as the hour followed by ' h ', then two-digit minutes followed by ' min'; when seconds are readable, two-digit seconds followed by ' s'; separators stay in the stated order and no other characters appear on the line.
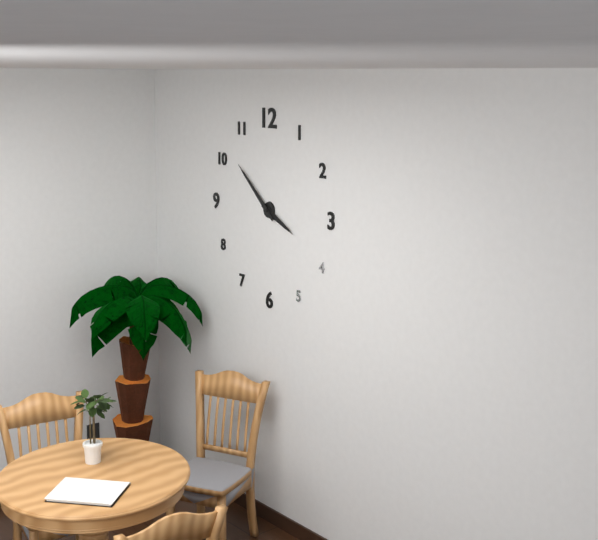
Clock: 3 h 52 min
